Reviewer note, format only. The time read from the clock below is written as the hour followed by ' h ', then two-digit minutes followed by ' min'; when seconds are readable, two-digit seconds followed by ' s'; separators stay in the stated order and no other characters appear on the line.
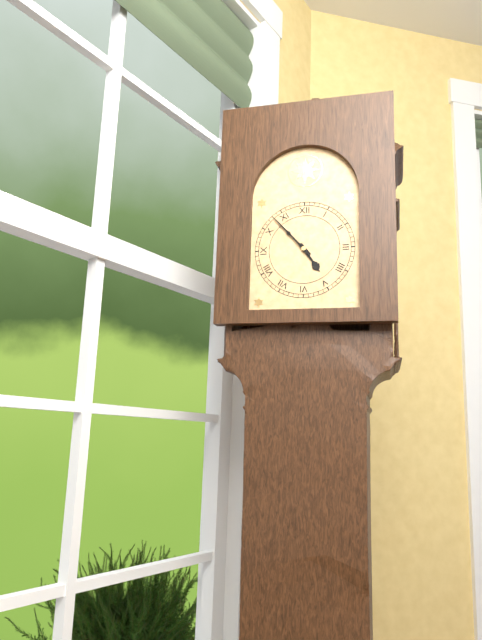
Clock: 4 h 53 min
